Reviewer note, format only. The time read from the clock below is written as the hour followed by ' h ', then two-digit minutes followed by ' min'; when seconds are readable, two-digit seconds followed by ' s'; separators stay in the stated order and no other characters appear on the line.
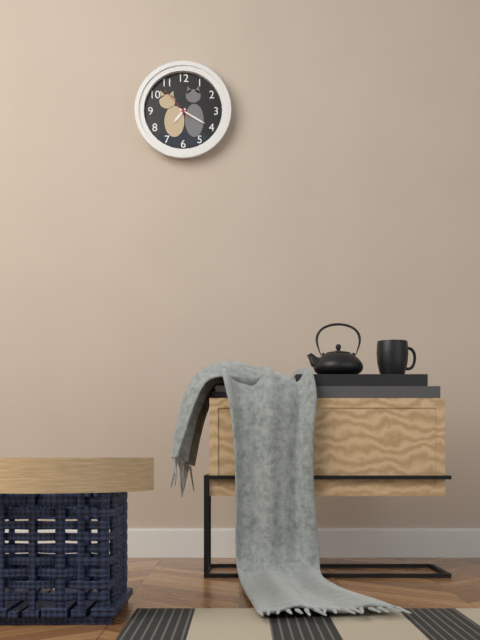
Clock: 7 h 20 min
